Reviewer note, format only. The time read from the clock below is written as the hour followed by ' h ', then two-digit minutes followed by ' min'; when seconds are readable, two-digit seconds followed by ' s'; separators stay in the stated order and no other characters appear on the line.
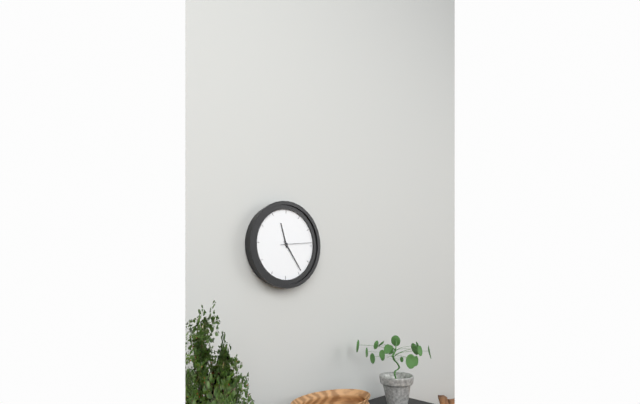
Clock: 11 h 24 min
